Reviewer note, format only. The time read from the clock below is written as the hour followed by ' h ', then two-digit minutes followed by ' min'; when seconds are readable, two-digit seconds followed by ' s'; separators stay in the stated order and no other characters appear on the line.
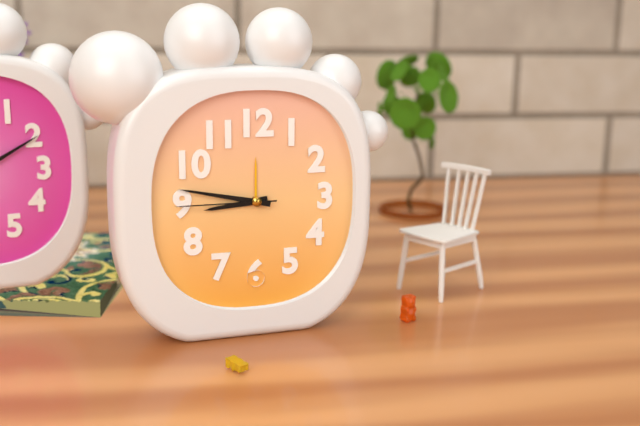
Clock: 8 h 47 min 45 s
